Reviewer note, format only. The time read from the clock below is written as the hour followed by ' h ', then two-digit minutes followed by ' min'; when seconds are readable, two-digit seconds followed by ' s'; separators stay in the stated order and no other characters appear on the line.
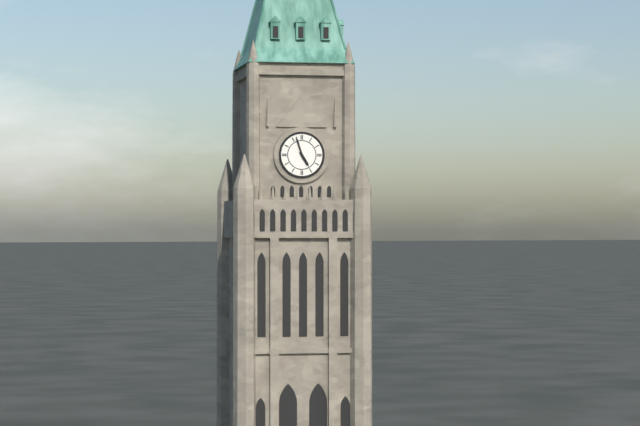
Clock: 4 h 57 min
